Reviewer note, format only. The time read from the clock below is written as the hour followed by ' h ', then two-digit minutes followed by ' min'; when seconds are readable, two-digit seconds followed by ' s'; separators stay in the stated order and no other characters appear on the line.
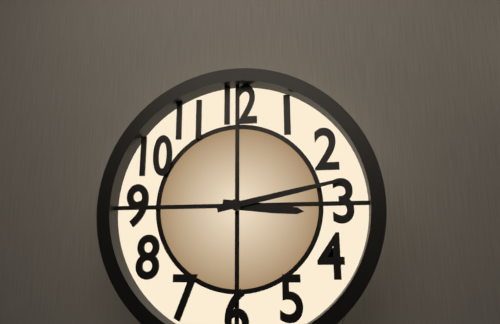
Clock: 3 h 13 min
